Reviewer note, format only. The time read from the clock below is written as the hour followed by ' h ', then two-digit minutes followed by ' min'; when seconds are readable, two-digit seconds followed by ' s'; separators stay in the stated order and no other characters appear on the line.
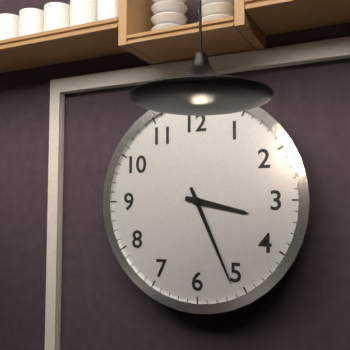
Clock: 3 h 26 min
